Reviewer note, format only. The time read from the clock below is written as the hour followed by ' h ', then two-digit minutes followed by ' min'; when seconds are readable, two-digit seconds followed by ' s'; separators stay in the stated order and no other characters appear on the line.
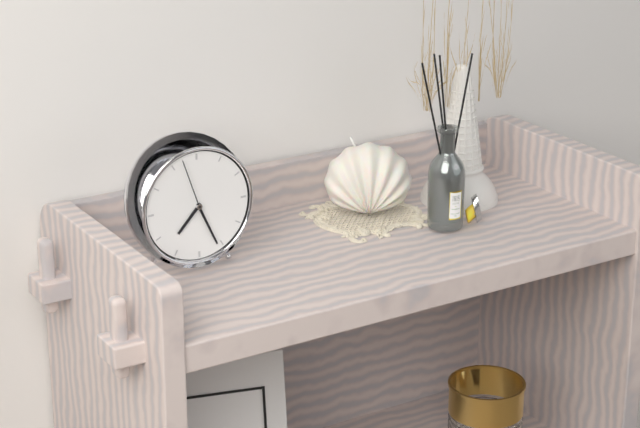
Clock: 7 h 26 min 57 s
